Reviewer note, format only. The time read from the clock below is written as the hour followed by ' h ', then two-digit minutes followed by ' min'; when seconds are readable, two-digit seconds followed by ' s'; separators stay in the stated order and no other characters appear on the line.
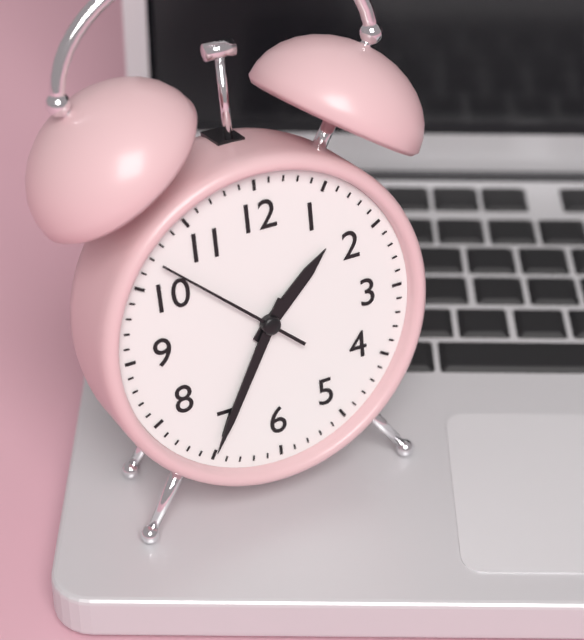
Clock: 1 h 35 min 52 s
